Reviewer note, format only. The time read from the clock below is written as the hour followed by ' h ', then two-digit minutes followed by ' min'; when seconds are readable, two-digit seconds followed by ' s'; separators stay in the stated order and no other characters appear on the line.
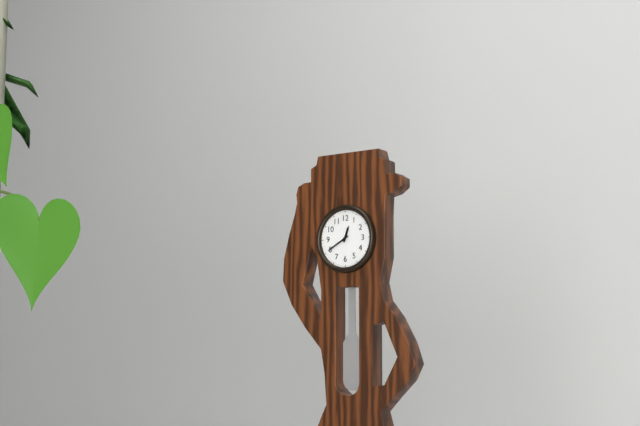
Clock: 12 h 40 min
